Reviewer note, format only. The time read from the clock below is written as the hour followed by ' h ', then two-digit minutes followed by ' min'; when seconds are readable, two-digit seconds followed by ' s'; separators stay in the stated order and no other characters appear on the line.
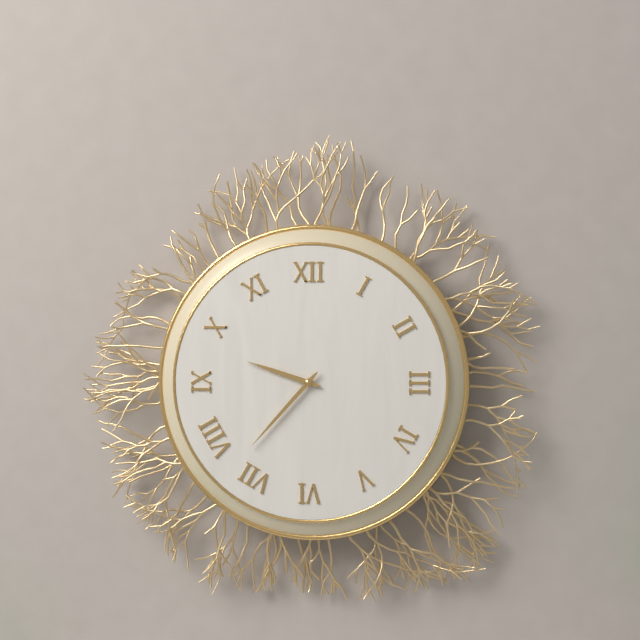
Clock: 9 h 37 min
